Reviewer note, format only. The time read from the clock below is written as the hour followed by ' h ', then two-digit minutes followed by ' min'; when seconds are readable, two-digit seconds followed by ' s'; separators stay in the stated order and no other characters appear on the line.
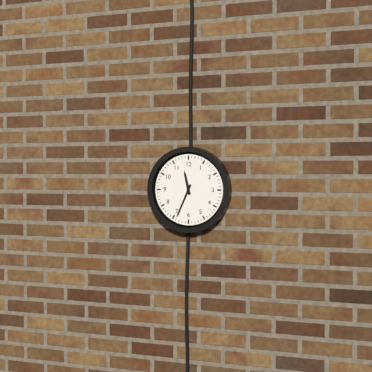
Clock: 11 h 34 min
